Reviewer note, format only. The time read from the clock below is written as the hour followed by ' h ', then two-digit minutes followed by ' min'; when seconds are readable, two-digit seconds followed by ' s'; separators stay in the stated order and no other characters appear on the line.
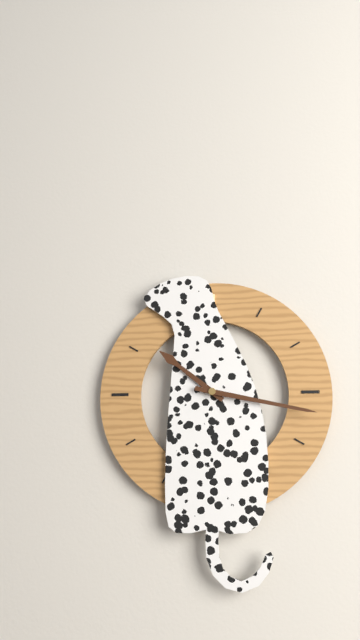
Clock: 10 h 17 min
